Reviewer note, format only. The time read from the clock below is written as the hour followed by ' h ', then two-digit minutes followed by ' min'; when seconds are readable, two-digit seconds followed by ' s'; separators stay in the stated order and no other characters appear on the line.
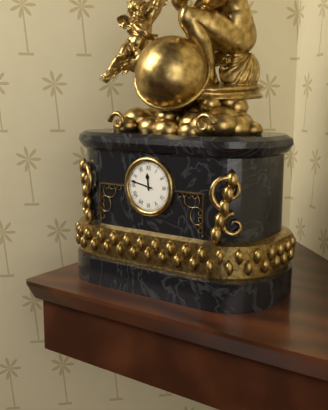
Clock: 11 h 47 min
